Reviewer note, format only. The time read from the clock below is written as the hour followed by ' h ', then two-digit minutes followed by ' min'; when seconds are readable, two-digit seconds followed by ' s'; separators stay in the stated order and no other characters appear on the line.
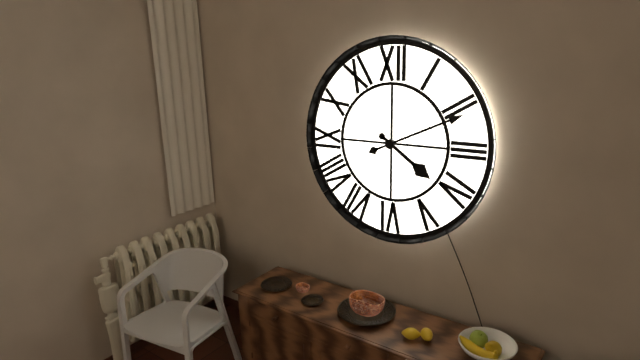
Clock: 4 h 11 min
